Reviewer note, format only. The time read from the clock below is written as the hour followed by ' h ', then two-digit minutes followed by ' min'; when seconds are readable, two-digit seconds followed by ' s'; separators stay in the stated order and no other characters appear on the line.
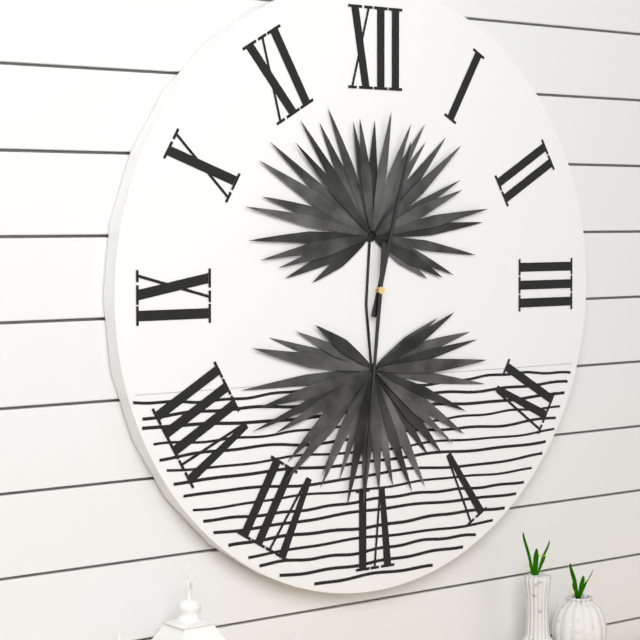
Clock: 12 h 31 min
